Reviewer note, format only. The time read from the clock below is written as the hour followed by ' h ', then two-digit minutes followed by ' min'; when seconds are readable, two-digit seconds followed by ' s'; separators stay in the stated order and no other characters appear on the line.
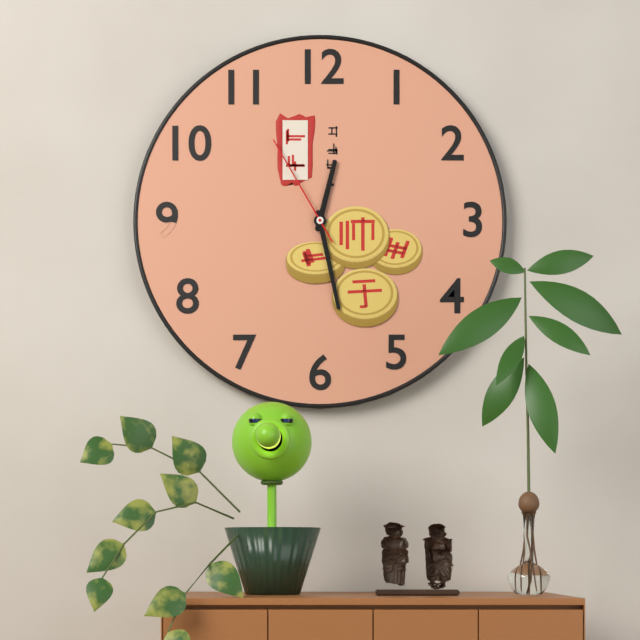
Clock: 12 h 28 min 55 s
